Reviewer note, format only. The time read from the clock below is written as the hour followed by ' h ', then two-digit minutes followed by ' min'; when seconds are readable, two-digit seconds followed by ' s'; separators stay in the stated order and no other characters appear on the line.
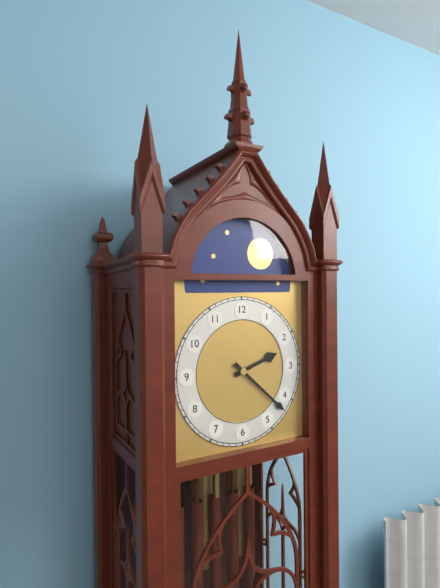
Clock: 2 h 22 min
